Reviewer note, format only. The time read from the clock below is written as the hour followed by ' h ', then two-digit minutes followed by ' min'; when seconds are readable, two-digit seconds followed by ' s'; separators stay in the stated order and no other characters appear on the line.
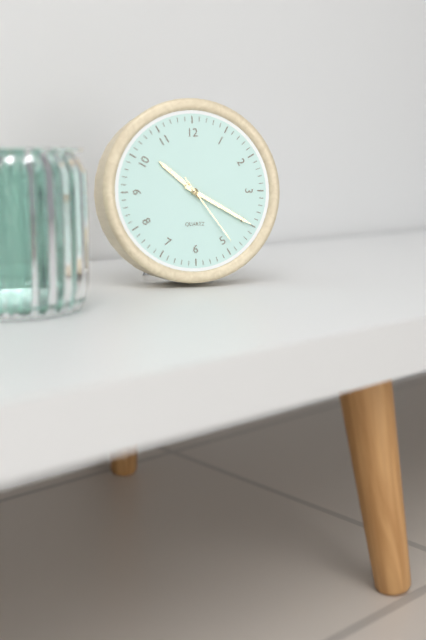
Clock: 10 h 20 min 24 s
